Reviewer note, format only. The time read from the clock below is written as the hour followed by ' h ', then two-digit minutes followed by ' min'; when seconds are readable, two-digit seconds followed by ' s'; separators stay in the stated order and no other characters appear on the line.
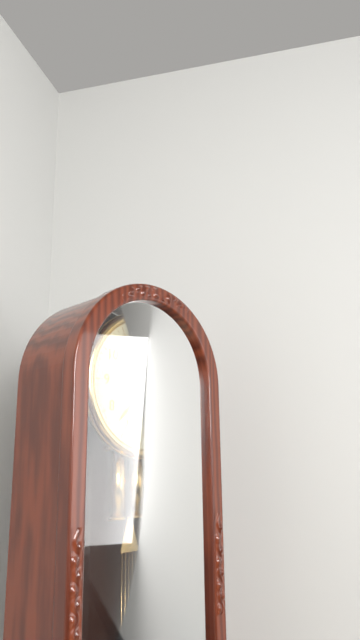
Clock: 1 h 37 min
